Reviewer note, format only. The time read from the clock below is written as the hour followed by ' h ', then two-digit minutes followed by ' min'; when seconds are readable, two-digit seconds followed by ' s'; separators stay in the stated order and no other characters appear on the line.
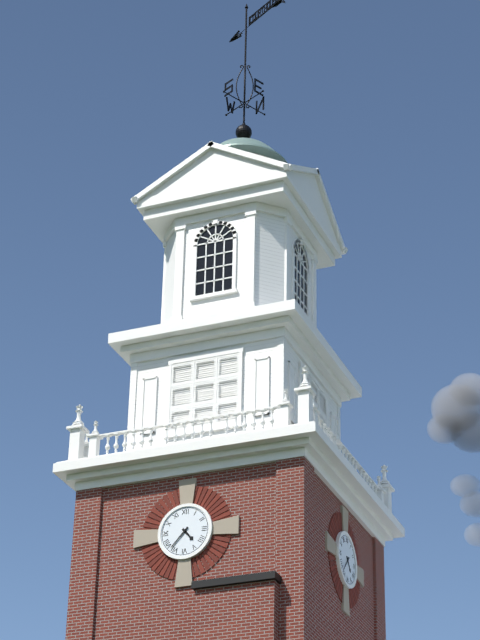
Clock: 4 h 37 min
